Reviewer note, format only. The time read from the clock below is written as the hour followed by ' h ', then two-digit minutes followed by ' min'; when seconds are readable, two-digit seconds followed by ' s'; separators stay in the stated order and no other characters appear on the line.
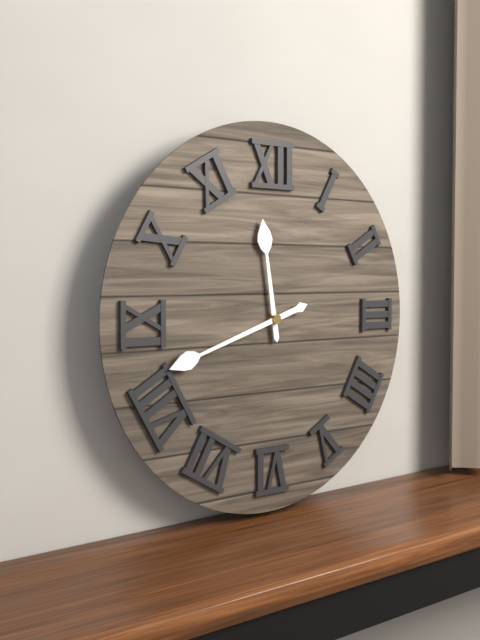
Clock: 11 h 42 min
